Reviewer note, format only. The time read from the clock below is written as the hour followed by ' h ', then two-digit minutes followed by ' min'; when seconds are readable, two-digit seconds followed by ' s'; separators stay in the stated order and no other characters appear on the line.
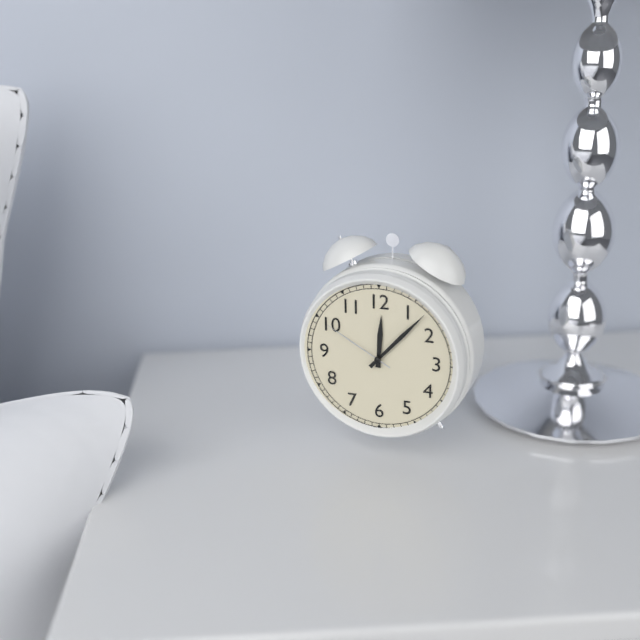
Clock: 12 h 07 min 50 s
